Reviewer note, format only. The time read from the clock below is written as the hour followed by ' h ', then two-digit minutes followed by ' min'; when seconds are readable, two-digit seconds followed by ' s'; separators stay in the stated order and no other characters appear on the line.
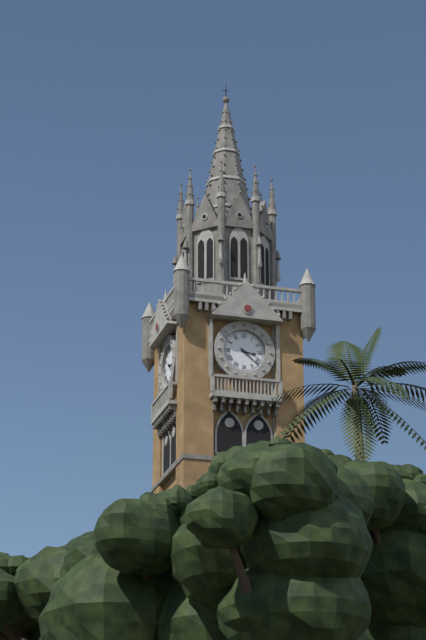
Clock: 3 h 22 min
